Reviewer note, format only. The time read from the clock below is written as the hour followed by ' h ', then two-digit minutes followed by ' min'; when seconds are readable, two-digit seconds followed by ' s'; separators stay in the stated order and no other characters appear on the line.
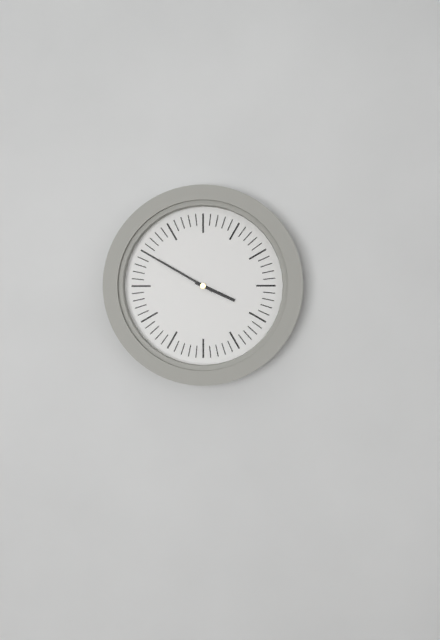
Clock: 3 h 50 min
